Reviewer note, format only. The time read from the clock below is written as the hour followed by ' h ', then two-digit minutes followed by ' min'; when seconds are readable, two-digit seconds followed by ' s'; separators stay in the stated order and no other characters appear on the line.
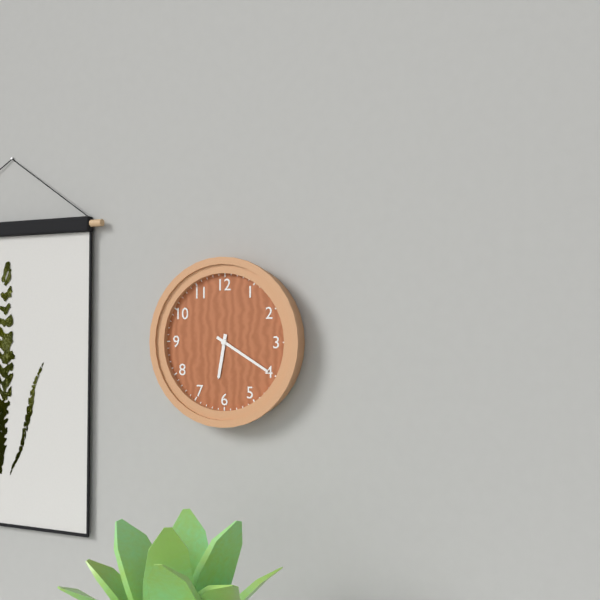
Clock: 6 h 20 min
